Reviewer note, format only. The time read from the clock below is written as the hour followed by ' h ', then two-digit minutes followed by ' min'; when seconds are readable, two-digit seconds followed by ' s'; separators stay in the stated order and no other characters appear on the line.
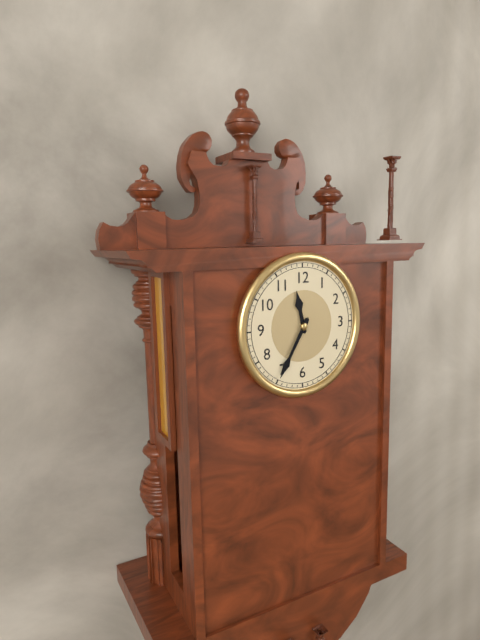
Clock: 11 h 35 min
